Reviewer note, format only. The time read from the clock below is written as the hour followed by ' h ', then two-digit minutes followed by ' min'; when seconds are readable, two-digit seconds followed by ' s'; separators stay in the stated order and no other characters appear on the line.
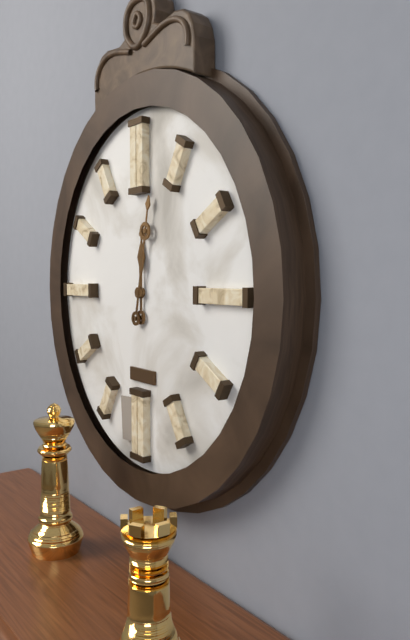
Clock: 12 h 02 min
